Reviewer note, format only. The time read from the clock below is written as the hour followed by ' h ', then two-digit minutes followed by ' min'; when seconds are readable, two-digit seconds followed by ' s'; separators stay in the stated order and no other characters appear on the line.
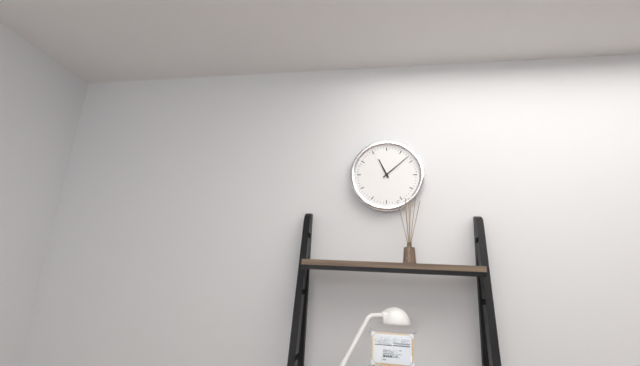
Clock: 11 h 08 min
